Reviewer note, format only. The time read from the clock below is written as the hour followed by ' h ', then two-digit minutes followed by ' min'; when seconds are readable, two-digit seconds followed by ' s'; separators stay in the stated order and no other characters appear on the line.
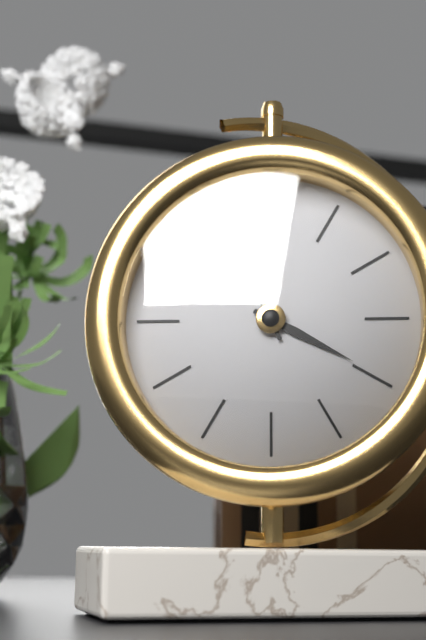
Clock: 3 h 56 min
